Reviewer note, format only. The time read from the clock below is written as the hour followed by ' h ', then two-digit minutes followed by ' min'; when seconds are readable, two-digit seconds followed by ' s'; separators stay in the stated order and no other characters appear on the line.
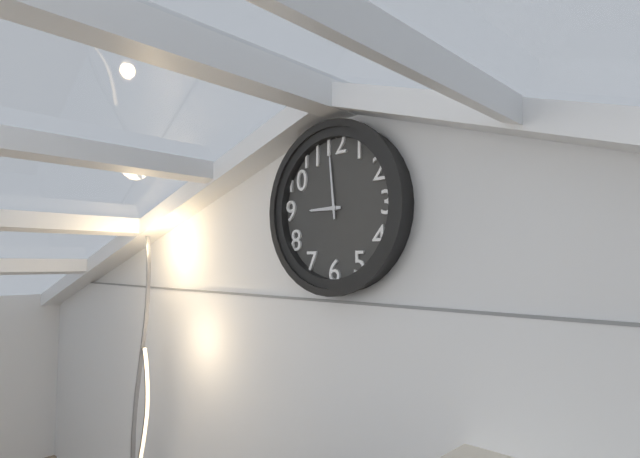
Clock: 8 h 59 min
